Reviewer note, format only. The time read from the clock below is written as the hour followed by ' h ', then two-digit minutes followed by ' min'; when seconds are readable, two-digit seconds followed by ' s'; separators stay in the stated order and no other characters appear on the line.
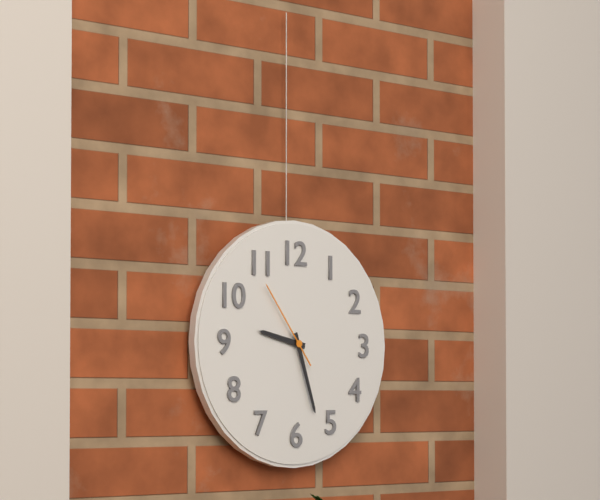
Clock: 9 h 27 min 54 s
